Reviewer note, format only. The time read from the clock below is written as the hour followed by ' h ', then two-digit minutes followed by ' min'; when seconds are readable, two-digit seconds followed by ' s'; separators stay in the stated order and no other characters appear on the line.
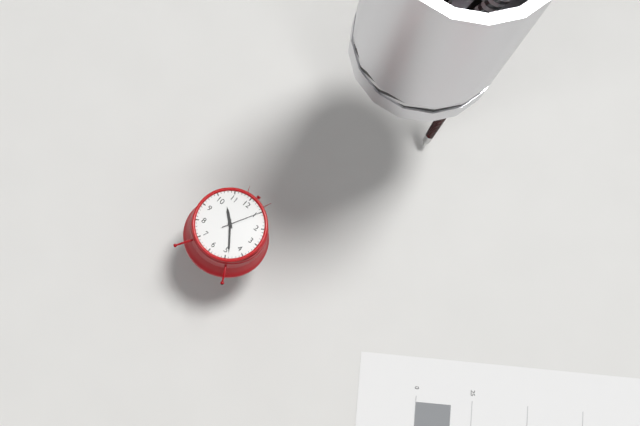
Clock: 10 h 24 min
